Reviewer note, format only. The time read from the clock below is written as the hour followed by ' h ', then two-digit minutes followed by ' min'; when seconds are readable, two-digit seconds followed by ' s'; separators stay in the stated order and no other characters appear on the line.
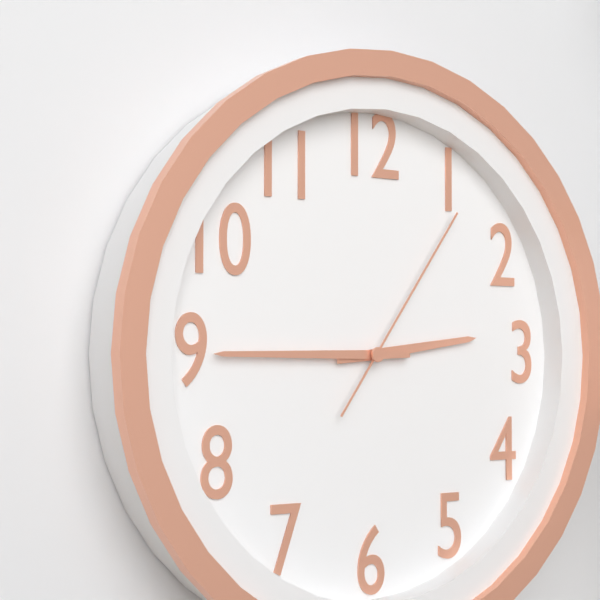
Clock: 2 h 45 min 06 s
